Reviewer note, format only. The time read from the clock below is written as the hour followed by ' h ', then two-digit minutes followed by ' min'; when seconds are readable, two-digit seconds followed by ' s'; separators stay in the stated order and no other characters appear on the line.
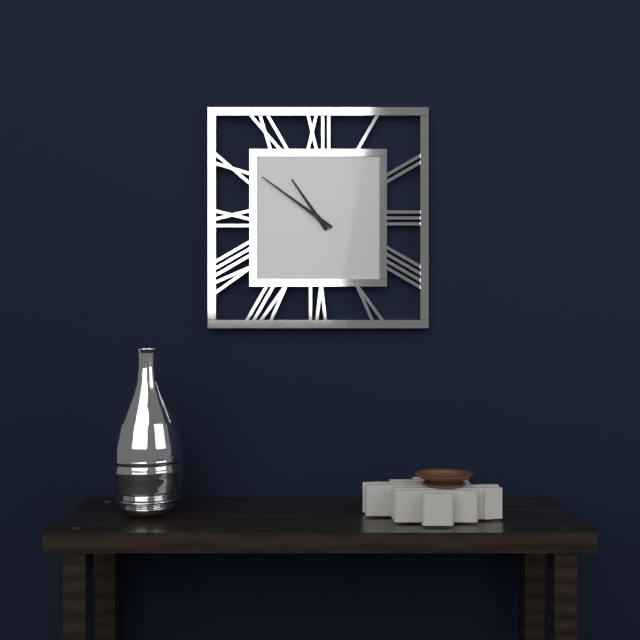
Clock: 10 h 51 min
